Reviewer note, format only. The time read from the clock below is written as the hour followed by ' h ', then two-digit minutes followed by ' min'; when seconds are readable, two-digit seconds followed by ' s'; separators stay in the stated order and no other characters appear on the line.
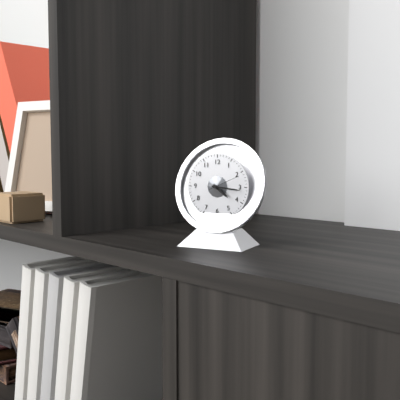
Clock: 4 h 16 min
